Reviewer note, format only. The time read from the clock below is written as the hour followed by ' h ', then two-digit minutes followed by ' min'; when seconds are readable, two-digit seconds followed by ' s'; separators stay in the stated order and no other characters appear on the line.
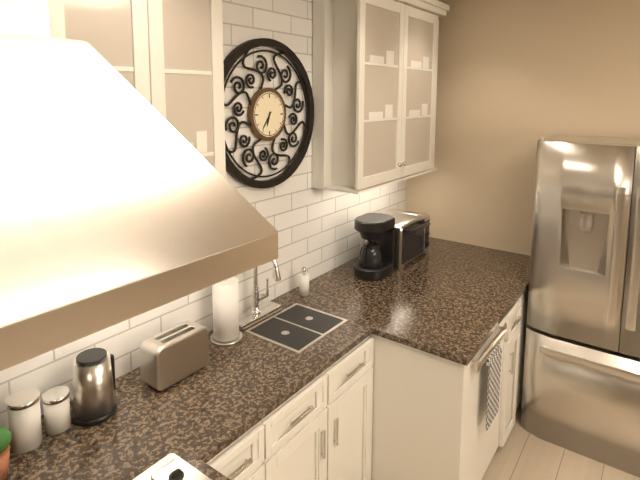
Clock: 6 h 36 min
